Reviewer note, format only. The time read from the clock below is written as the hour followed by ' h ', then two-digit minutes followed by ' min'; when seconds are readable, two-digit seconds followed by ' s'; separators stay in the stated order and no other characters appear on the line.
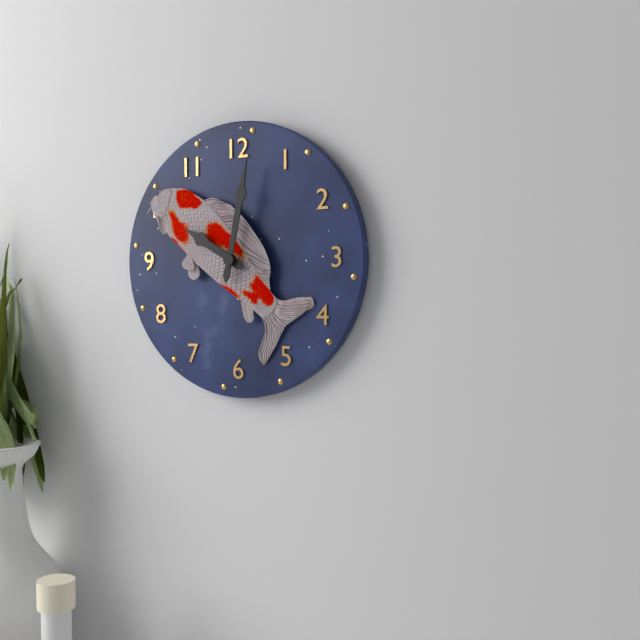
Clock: 10 h 02 min
